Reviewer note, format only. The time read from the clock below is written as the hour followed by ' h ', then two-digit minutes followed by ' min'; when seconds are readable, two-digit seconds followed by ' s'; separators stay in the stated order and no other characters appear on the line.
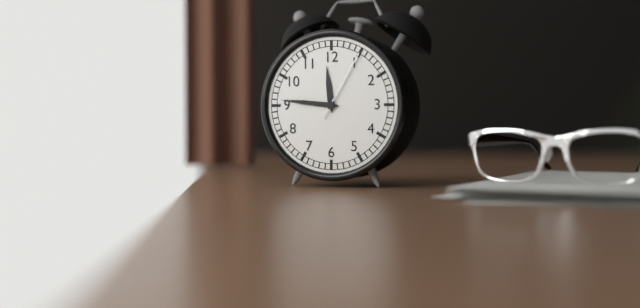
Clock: 11 h 46 min 05 s
